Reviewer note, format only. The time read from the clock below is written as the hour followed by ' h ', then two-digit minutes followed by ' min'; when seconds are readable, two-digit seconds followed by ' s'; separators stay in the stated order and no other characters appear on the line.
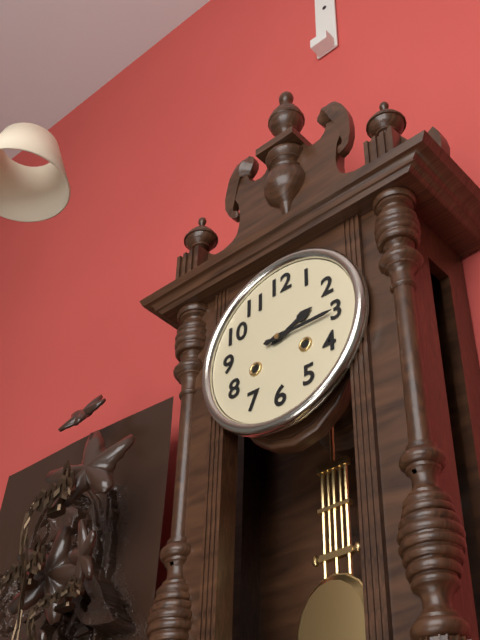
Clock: 2 h 15 min
